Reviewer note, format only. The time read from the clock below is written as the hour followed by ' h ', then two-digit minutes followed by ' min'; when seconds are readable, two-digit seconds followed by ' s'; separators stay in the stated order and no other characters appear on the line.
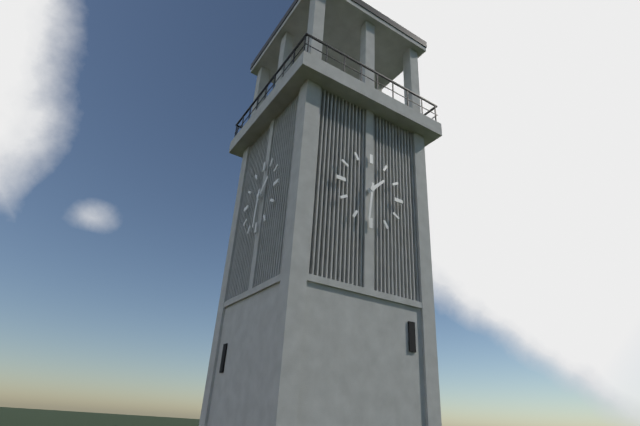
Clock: 1 h 31 min
